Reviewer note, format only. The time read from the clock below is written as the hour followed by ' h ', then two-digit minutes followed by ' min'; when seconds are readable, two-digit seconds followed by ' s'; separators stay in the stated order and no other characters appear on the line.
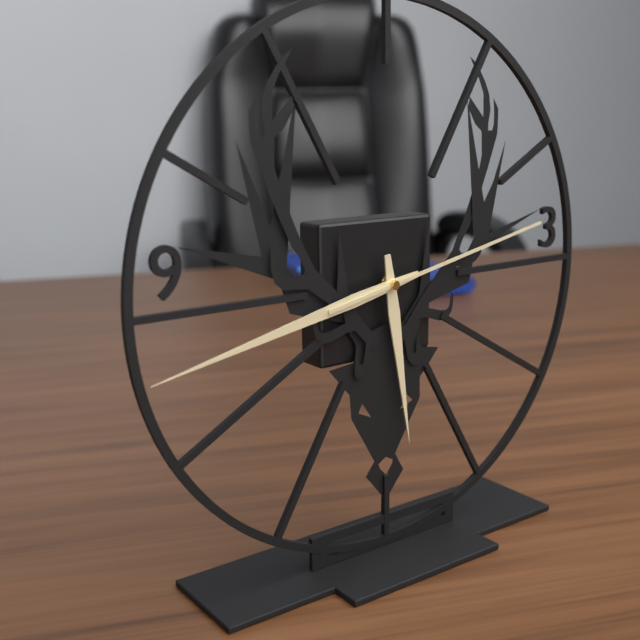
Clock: 5 h 43 min 13 s
